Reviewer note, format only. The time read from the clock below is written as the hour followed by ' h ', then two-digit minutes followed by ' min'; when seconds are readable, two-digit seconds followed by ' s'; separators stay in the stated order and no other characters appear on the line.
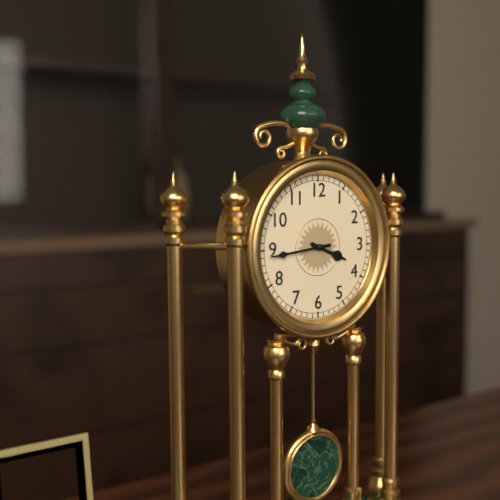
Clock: 3 h 44 min
